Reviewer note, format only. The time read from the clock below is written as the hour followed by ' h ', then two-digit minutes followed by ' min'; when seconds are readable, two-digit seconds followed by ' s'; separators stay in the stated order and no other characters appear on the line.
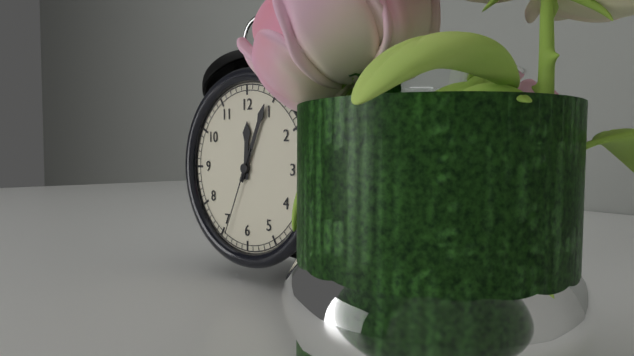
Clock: 12 h 04 min 34 s
